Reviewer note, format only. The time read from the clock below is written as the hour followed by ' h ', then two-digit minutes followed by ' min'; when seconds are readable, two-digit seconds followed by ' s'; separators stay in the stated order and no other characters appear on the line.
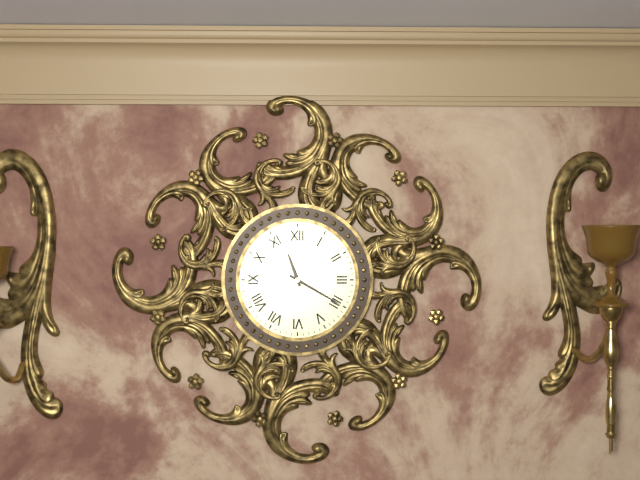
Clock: 11 h 20 min
